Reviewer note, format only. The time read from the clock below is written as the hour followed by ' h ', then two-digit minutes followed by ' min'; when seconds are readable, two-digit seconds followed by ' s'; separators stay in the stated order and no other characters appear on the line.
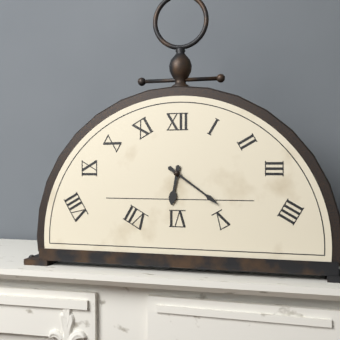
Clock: 6 h 21 min
